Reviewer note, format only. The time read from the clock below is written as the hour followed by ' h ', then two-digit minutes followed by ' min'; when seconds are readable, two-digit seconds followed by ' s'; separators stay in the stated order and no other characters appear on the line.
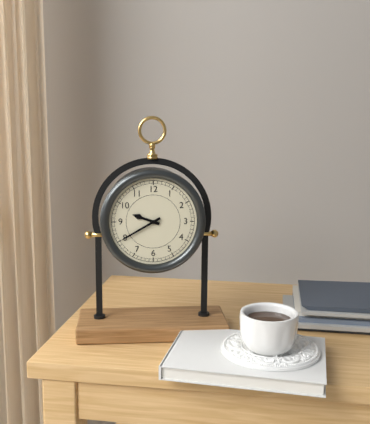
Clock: 9 h 40 min
